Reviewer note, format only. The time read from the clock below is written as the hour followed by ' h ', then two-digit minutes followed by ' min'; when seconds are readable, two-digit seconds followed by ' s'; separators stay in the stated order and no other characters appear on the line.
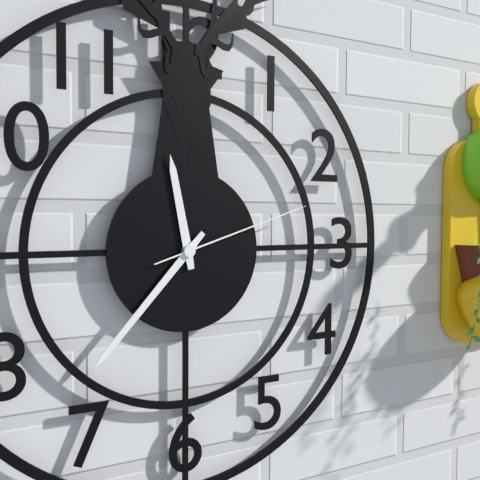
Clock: 11 h 37 min 12 s
